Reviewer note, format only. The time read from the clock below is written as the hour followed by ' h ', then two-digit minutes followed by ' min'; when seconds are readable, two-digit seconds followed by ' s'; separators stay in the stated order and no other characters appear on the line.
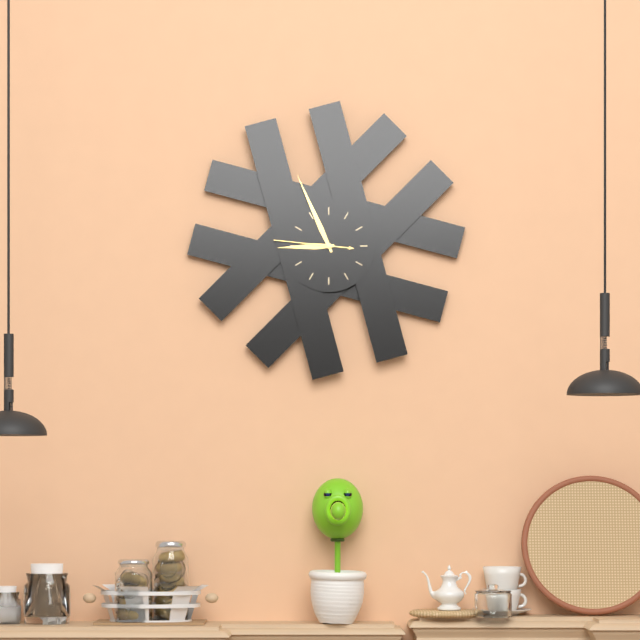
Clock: 8 h 56 min 46 s
